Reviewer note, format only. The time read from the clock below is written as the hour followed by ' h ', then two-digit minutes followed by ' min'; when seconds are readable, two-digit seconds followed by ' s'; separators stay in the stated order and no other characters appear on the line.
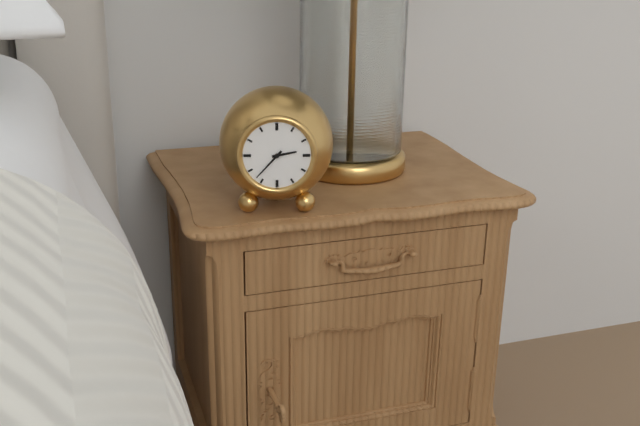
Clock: 2 h 37 min
